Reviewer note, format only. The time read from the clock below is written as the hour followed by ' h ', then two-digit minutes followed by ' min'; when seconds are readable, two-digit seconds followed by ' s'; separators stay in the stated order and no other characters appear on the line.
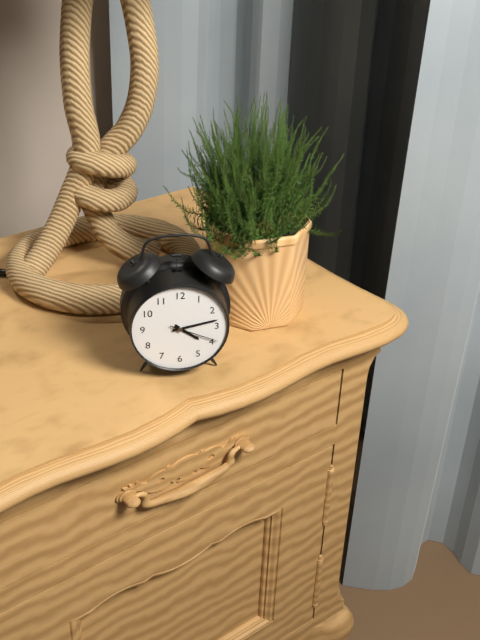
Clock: 4 h 13 min
